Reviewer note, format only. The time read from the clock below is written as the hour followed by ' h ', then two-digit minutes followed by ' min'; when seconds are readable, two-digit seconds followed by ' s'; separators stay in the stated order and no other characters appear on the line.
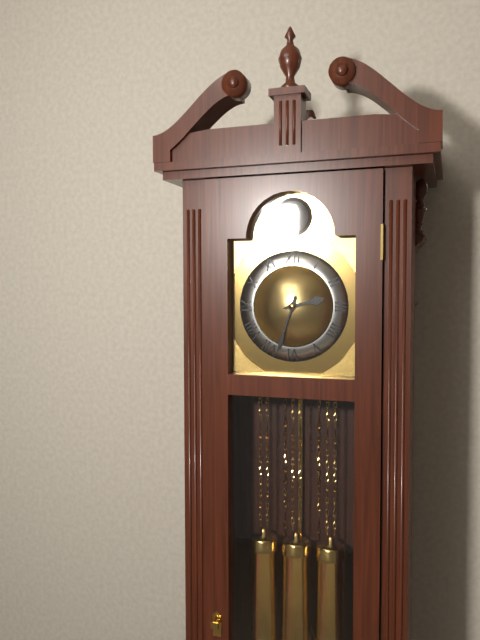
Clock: 2 h 33 min
